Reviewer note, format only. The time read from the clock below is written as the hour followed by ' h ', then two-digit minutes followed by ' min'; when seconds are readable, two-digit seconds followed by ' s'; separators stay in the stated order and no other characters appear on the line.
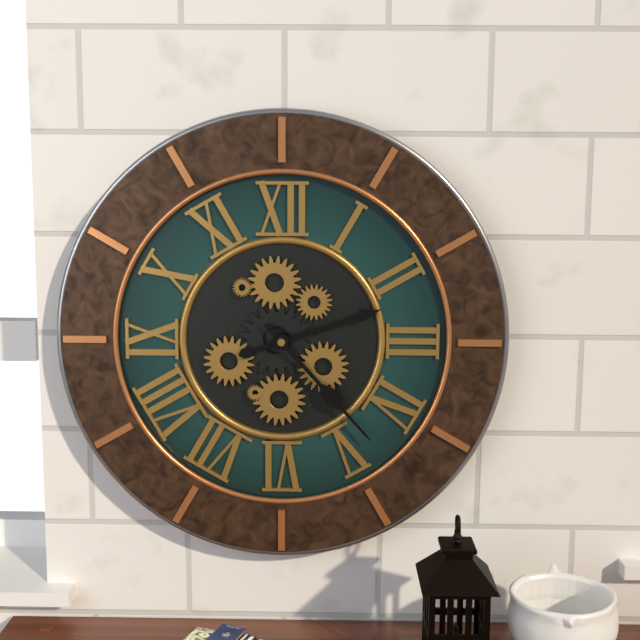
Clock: 2 h 23 min
